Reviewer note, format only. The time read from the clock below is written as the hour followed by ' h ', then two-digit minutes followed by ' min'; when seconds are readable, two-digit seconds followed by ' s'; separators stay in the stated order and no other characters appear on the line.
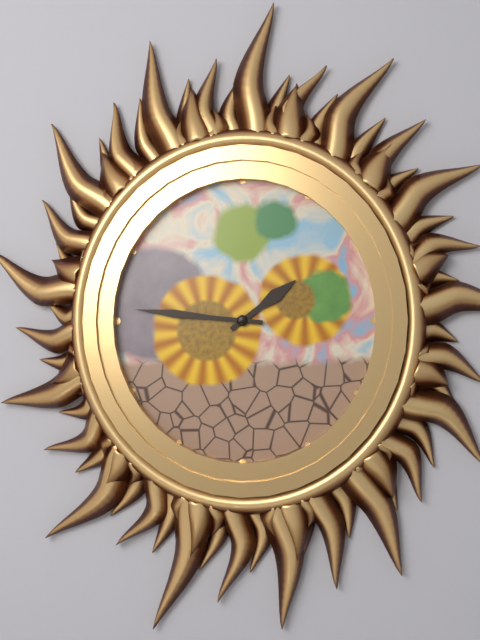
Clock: 1 h 46 min
